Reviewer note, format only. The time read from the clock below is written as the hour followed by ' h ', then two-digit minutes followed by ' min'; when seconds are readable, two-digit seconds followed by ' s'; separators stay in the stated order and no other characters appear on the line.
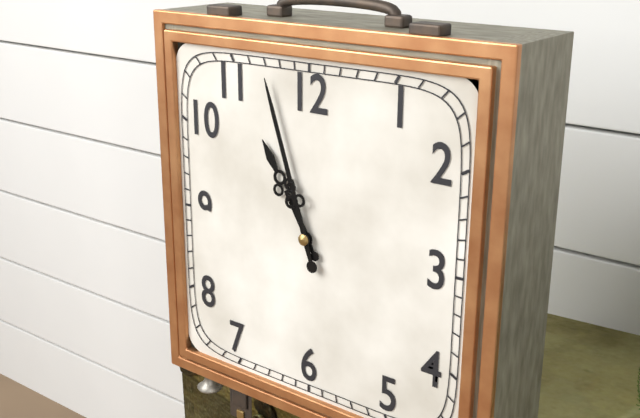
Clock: 10 h 57 min
